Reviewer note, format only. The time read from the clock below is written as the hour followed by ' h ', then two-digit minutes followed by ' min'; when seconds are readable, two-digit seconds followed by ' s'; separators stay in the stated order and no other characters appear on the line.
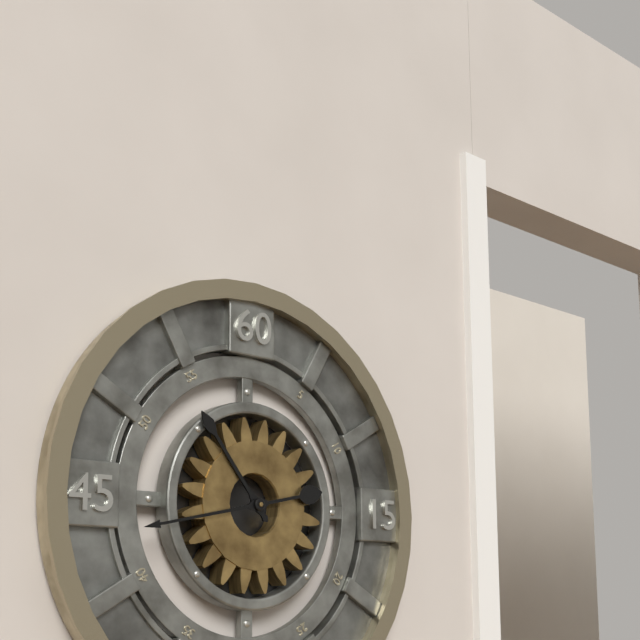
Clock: 10 h 43 min
